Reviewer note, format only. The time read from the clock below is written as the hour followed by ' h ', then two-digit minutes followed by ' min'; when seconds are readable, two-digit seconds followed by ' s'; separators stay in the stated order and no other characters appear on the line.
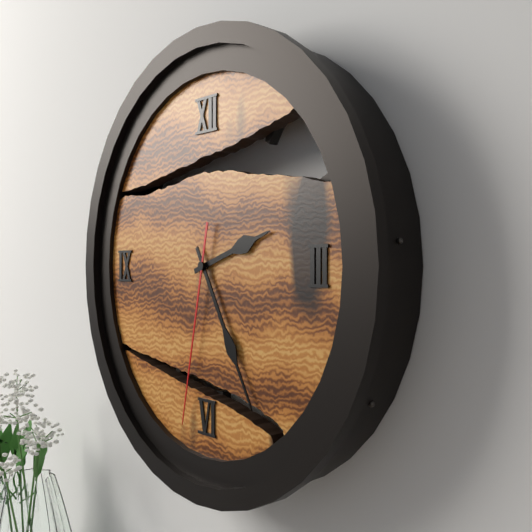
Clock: 2 h 25 min 32 s
